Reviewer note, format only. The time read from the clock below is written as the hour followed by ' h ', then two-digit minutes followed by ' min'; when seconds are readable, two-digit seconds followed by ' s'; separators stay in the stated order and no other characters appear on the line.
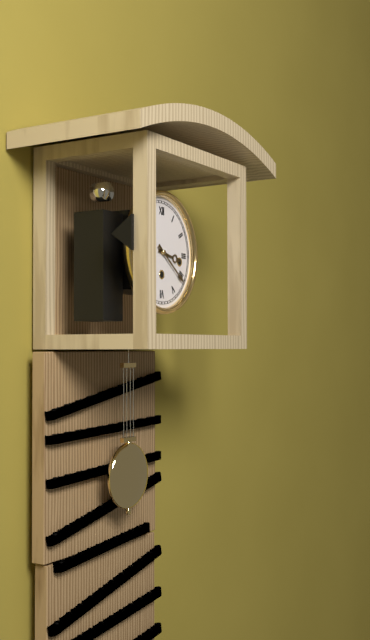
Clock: 3 h 21 min
